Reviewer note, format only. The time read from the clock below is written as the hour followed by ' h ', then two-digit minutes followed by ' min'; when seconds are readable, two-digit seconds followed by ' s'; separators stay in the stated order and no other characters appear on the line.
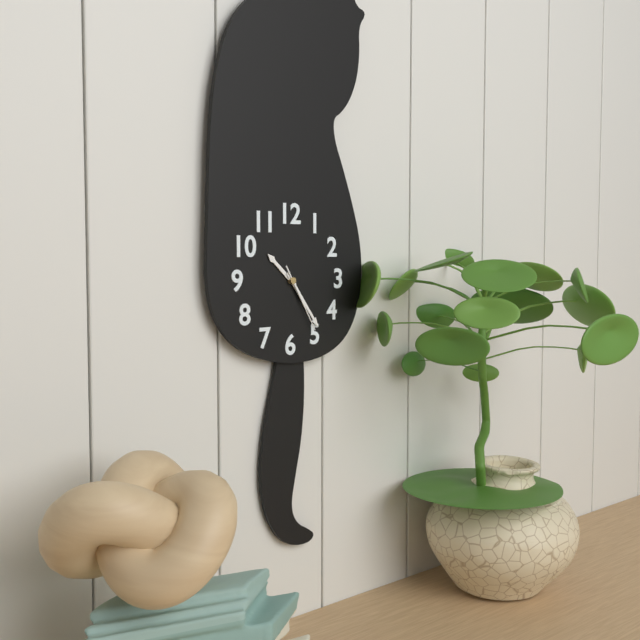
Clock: 10 h 24 min 25 s
